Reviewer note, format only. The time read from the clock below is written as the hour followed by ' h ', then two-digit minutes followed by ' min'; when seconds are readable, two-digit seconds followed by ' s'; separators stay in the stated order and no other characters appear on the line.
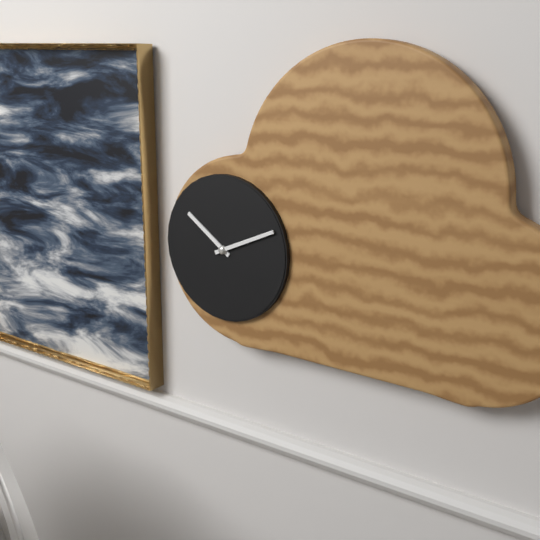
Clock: 10 h 11 min
